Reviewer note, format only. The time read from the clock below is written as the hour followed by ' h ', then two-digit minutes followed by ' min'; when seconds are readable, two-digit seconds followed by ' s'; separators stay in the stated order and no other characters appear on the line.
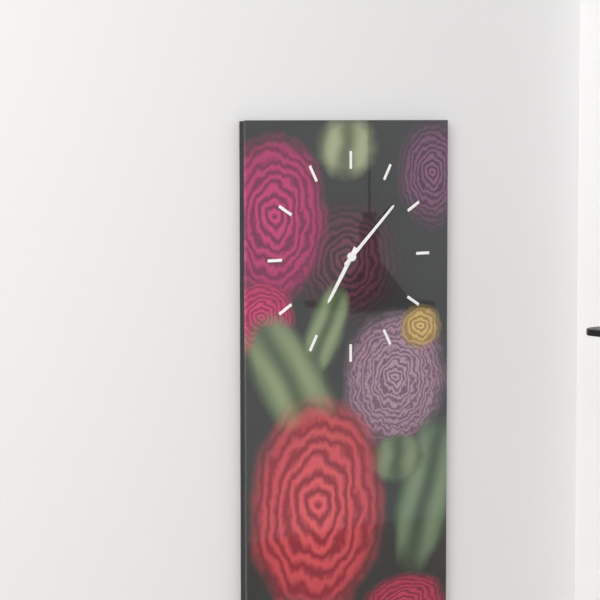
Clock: 7 h 08 min
